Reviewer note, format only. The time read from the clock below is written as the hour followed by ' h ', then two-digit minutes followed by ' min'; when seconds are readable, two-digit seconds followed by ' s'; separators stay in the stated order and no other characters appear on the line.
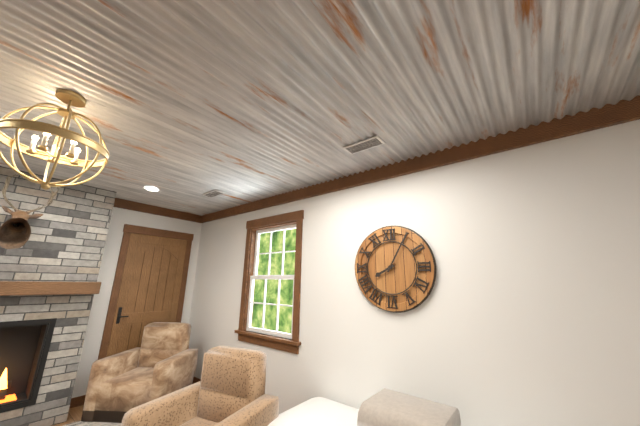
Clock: 8 h 05 min
